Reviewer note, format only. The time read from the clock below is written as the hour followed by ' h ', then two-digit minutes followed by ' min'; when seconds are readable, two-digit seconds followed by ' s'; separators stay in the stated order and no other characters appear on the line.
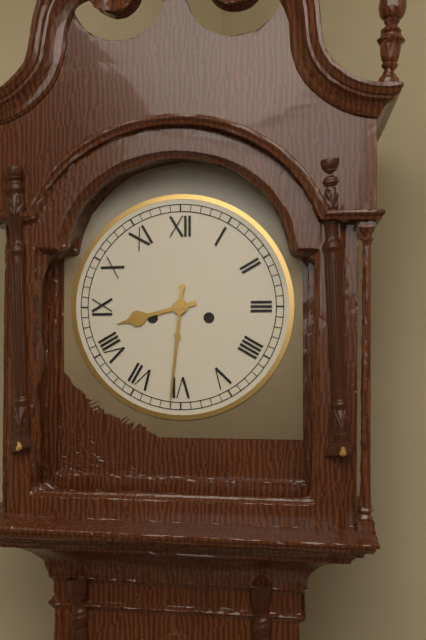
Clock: 8 h 31 min
